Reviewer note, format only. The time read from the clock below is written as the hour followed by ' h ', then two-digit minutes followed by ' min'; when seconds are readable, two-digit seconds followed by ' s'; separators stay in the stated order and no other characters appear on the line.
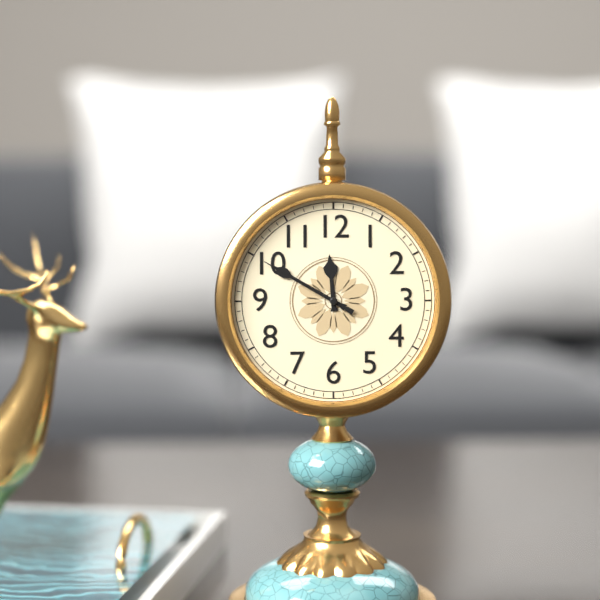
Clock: 11 h 50 min 50 s
